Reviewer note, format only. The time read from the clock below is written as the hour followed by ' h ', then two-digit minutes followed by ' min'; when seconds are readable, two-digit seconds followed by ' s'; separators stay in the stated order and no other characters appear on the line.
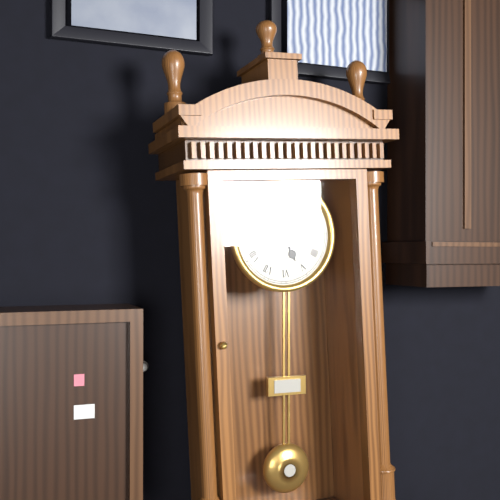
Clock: 5 h 14 min
